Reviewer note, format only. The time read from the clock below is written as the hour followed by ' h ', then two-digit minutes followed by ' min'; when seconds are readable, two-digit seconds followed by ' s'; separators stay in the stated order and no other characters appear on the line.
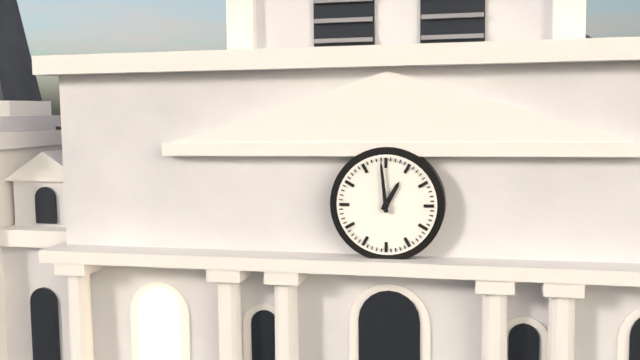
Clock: 12 h 59 min
